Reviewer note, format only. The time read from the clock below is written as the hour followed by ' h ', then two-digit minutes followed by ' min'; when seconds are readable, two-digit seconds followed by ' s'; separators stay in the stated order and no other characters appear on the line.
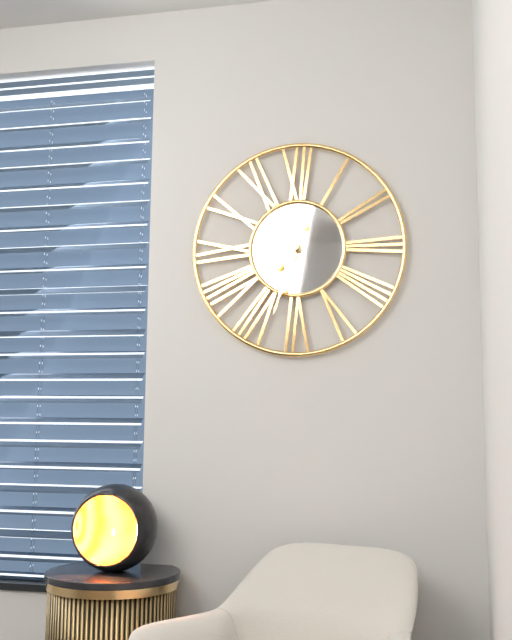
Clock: 7 h 33 min
